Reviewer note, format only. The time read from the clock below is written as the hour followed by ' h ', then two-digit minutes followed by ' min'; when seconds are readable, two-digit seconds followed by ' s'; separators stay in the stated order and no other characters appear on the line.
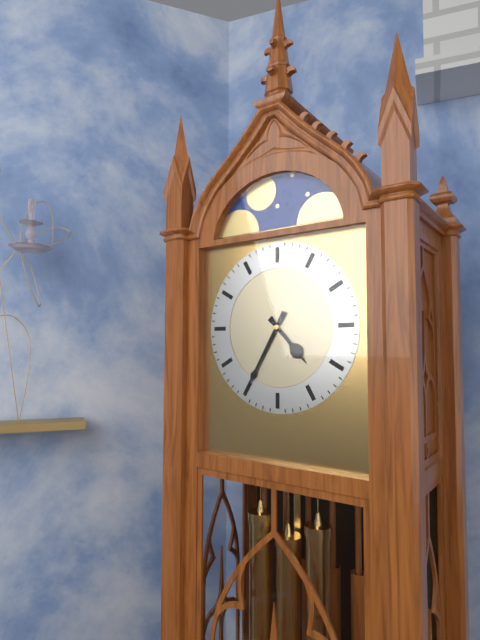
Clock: 4 h 35 min
